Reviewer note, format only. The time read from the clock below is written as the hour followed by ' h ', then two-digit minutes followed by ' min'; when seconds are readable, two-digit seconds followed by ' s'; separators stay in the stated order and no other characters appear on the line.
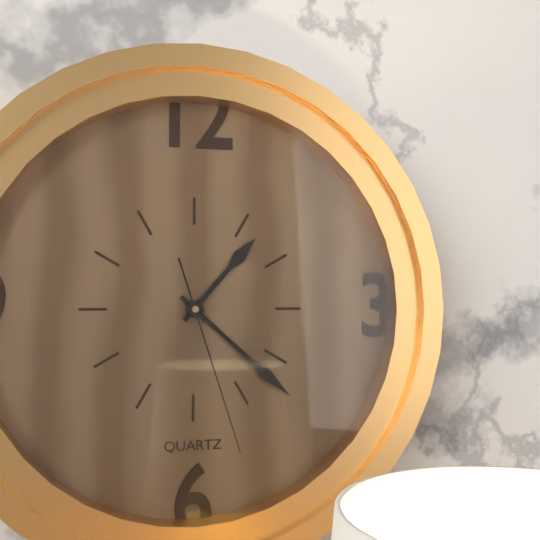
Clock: 1 h 22 min 27 s
